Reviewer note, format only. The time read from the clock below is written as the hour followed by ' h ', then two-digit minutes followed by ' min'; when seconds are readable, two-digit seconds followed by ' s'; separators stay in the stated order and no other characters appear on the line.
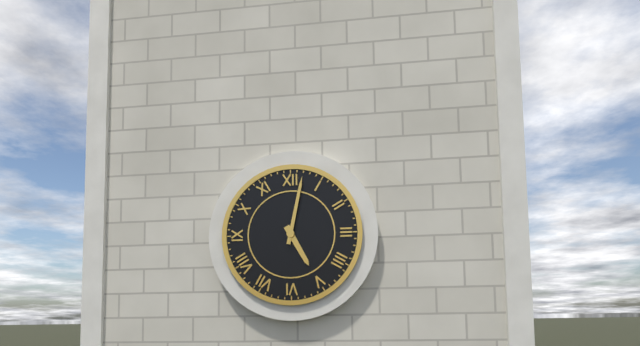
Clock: 5 h 02 min
